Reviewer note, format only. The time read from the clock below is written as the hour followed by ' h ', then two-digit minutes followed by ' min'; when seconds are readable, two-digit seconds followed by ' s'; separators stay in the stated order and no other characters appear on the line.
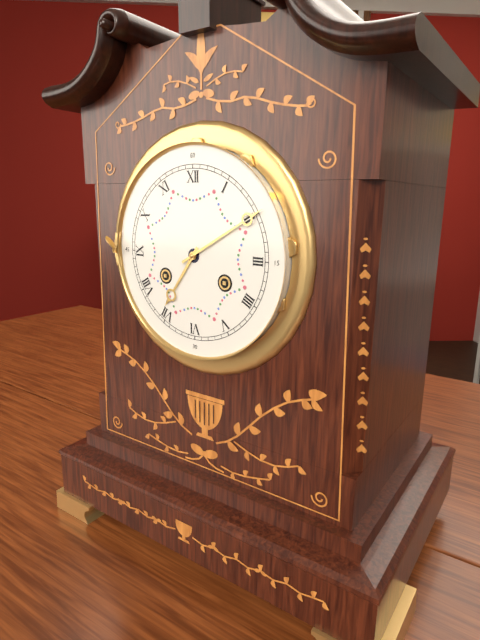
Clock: 7 h 10 min
